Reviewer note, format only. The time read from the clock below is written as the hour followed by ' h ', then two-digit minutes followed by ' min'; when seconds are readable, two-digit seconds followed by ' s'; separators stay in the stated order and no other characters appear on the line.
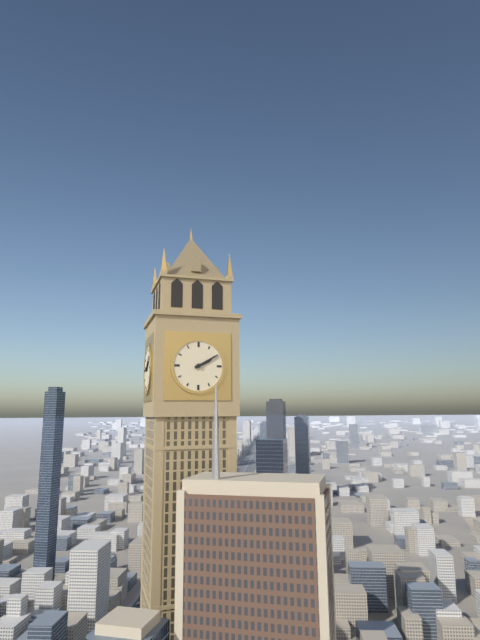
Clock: 2 h 10 min
